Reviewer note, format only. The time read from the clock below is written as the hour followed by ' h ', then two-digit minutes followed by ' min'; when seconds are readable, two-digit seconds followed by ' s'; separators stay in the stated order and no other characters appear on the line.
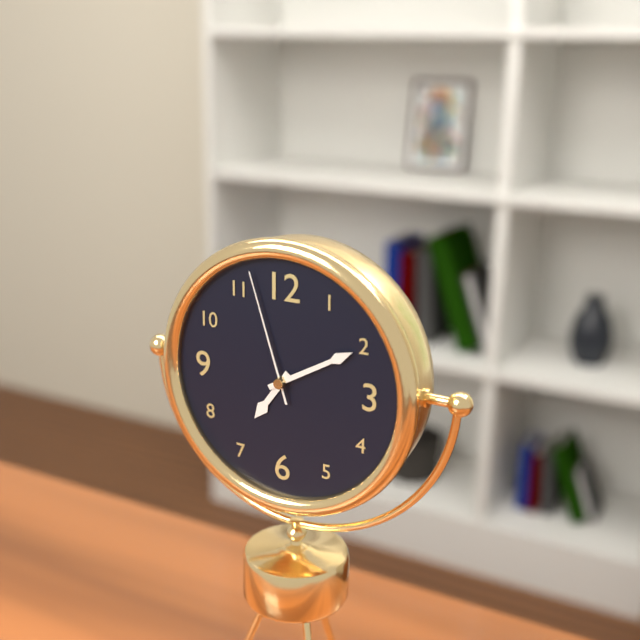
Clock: 7 h 10 min 57 s
